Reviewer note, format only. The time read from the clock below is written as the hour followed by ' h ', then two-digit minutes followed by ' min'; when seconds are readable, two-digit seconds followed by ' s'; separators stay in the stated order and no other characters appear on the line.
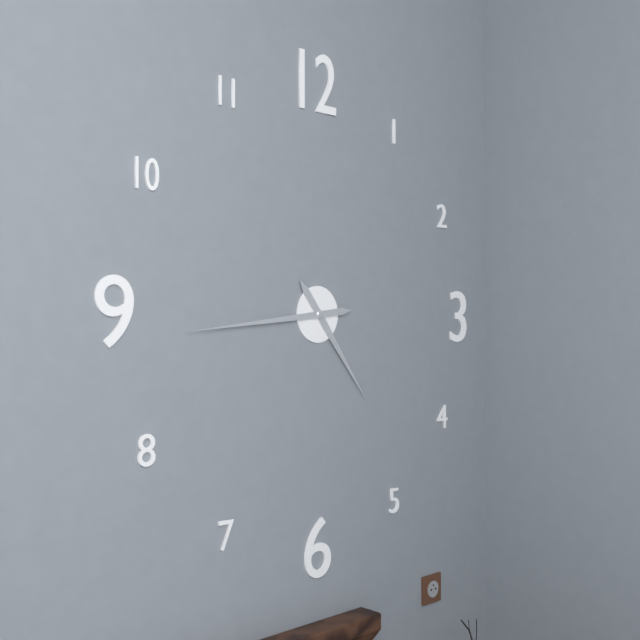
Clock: 4 h 44 min
